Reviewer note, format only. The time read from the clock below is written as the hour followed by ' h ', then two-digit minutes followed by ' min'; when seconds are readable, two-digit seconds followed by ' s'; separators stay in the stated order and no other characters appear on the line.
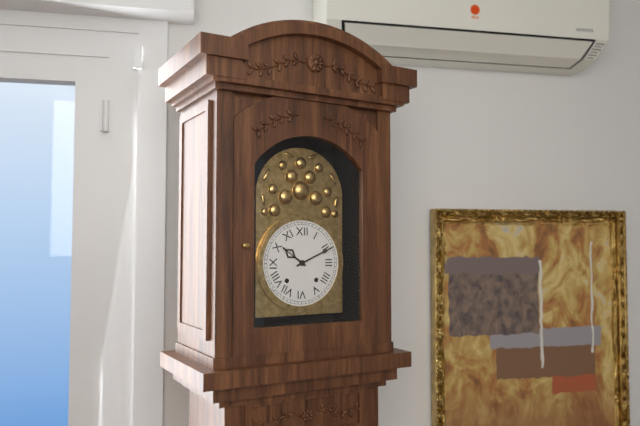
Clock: 10 h 11 min
